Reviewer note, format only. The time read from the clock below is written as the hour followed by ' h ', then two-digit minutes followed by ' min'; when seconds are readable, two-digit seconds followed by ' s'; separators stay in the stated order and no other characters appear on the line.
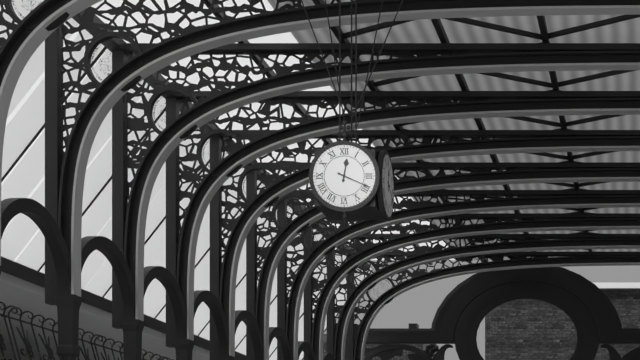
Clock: 12 h 19 min
